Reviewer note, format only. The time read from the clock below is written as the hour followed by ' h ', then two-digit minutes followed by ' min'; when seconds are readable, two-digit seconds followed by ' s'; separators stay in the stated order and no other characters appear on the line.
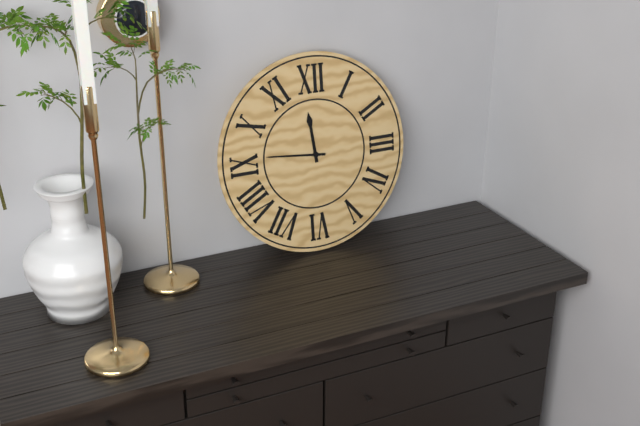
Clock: 11 h 46 min
